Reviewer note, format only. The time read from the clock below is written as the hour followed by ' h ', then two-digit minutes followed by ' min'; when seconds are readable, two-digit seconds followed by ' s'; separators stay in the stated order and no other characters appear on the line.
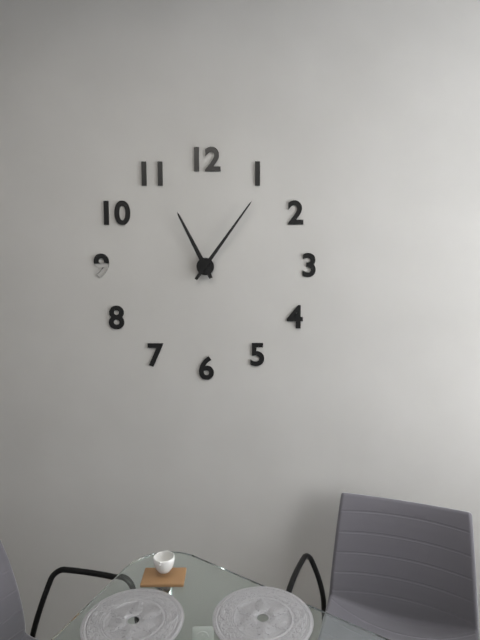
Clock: 11 h 06 min
